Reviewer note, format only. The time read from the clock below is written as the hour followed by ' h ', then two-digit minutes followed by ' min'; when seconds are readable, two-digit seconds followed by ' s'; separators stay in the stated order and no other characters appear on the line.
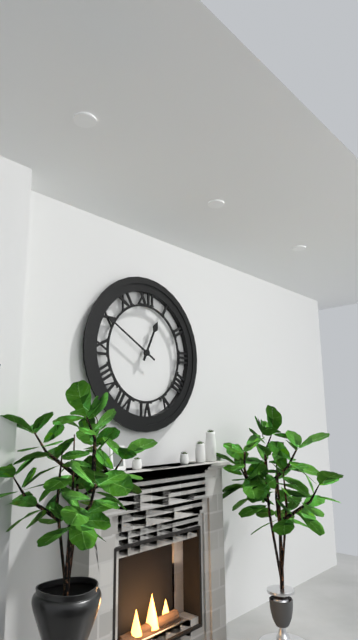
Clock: 12 h 50 min
